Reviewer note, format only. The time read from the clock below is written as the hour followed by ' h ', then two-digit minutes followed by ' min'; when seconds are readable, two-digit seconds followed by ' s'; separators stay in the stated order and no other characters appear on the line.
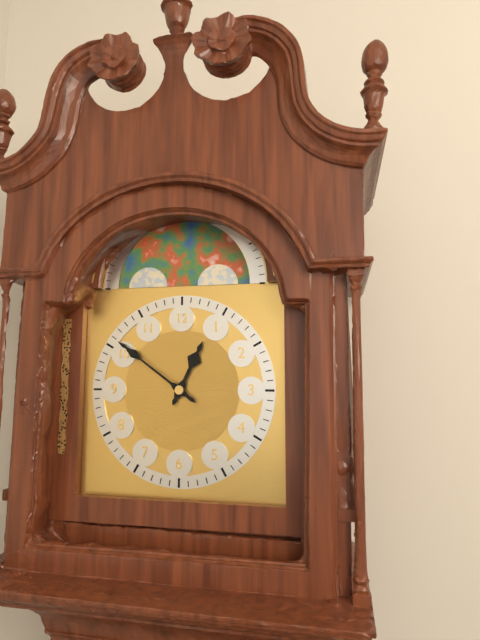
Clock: 12 h 51 min
